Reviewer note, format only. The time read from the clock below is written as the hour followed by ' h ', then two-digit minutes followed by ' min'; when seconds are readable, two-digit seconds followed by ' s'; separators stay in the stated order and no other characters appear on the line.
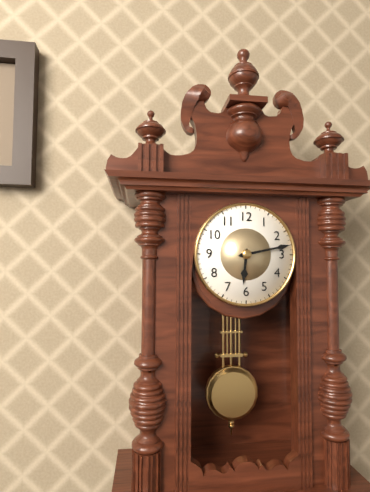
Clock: 6 h 13 min
